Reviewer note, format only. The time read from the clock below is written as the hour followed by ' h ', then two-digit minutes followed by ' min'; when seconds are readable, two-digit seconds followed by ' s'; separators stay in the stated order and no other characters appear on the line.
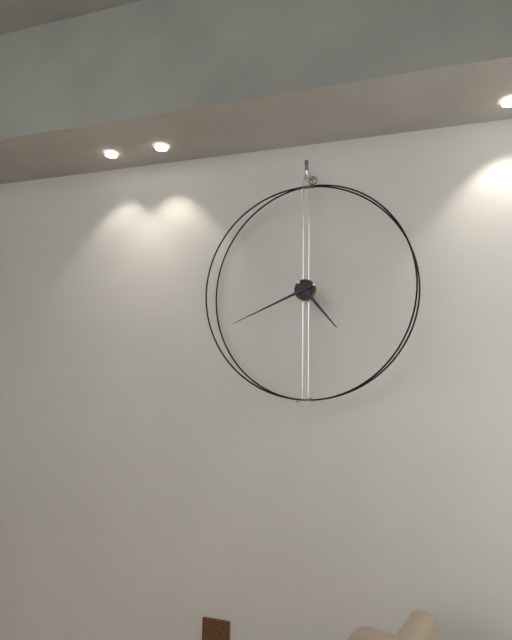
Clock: 4 h 41 min
